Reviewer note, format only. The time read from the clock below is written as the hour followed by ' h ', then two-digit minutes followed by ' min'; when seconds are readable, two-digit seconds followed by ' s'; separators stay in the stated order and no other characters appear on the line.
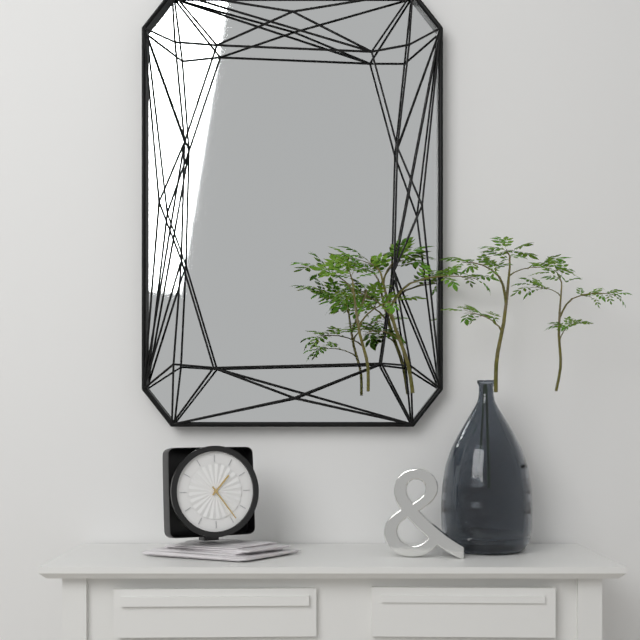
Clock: 1 h 24 min
